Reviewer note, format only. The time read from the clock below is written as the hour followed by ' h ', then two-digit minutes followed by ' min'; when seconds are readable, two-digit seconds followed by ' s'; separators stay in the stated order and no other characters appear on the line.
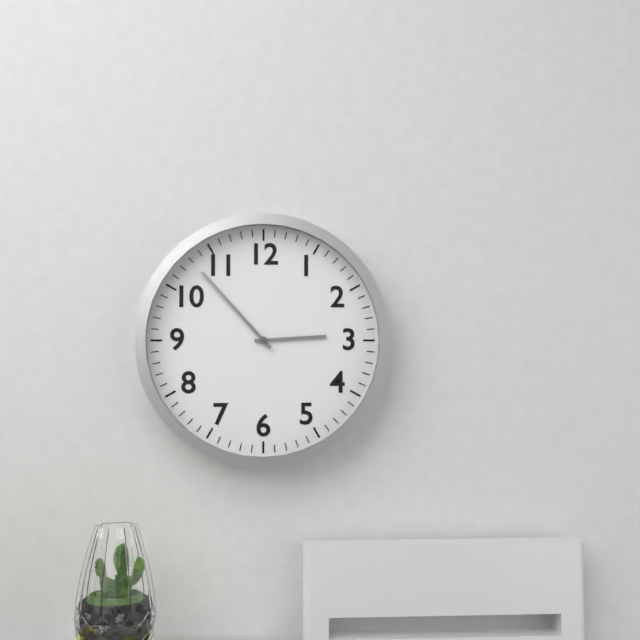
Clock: 2 h 53 min
